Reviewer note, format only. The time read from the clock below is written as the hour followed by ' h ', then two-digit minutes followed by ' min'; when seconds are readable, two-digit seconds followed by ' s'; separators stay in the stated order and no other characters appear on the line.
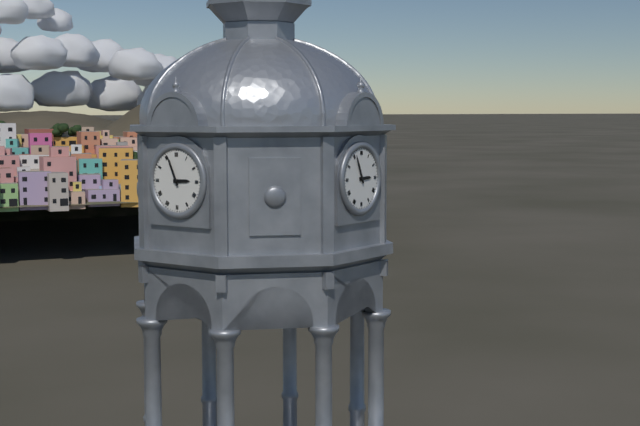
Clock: 2 h 56 min
